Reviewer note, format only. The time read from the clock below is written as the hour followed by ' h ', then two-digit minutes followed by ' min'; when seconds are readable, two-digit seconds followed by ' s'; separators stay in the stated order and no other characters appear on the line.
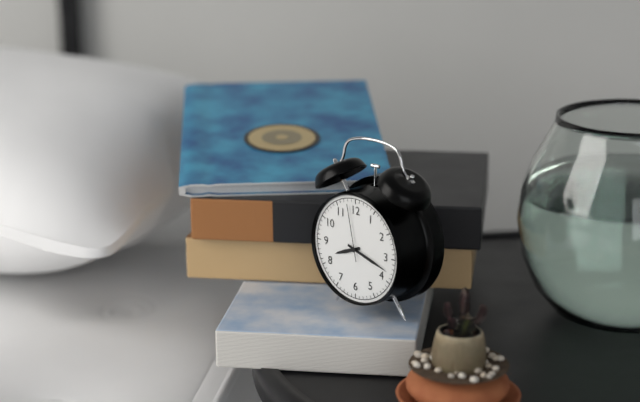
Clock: 8 h 18 min 58 s
